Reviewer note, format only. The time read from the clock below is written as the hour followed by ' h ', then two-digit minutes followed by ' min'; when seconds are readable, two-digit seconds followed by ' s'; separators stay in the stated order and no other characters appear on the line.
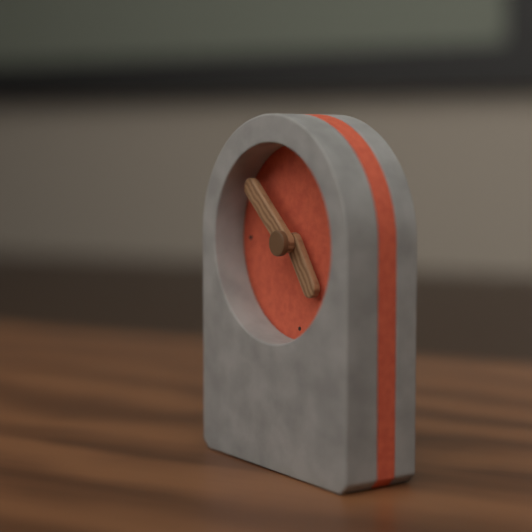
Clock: 4 h 52 min
